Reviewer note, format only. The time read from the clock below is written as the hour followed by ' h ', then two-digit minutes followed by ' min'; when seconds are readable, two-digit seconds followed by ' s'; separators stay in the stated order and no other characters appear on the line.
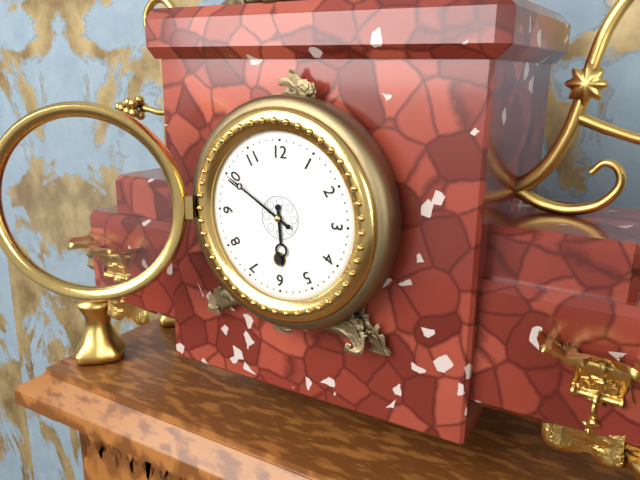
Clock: 5 h 50 min
